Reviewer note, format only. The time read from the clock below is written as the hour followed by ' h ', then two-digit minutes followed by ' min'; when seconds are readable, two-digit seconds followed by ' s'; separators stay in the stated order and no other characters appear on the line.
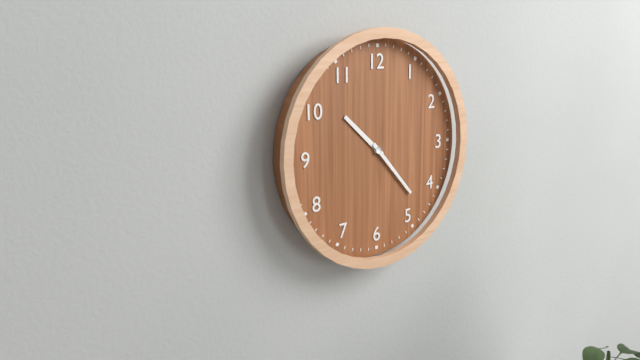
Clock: 10 h 23 min
